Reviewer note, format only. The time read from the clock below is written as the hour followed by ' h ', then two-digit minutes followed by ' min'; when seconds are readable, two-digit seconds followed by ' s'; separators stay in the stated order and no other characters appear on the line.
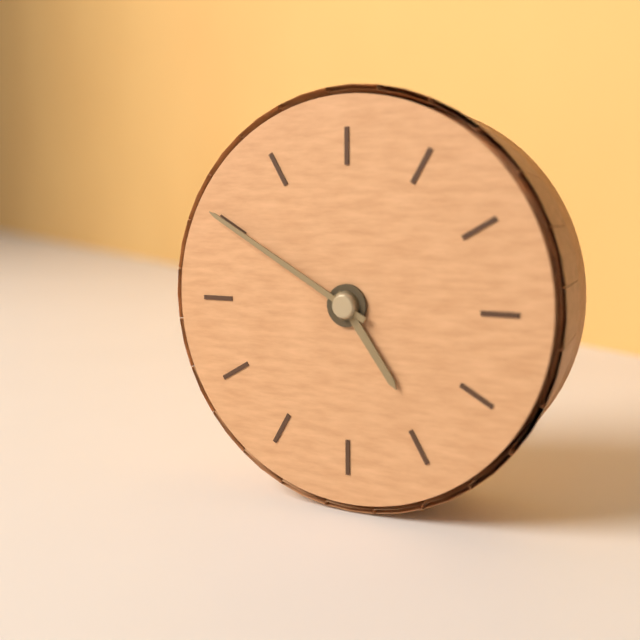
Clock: 4 h 50 min
